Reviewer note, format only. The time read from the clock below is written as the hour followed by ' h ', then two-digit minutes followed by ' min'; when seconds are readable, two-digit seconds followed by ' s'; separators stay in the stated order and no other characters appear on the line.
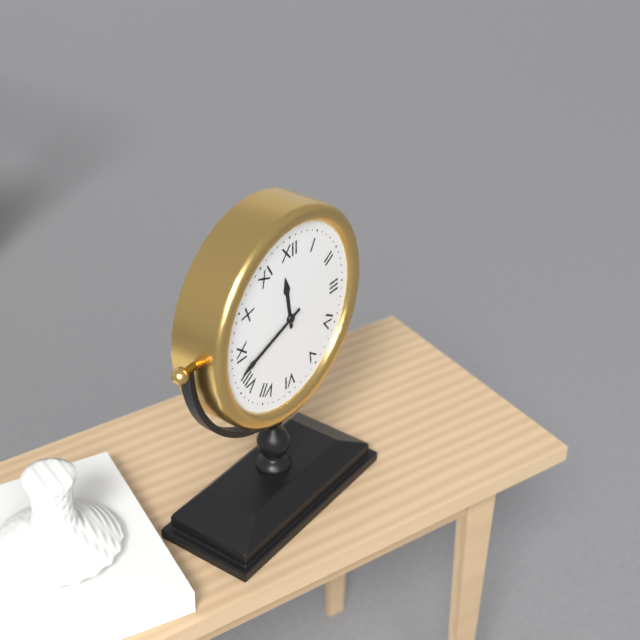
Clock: 11 h 42 min
